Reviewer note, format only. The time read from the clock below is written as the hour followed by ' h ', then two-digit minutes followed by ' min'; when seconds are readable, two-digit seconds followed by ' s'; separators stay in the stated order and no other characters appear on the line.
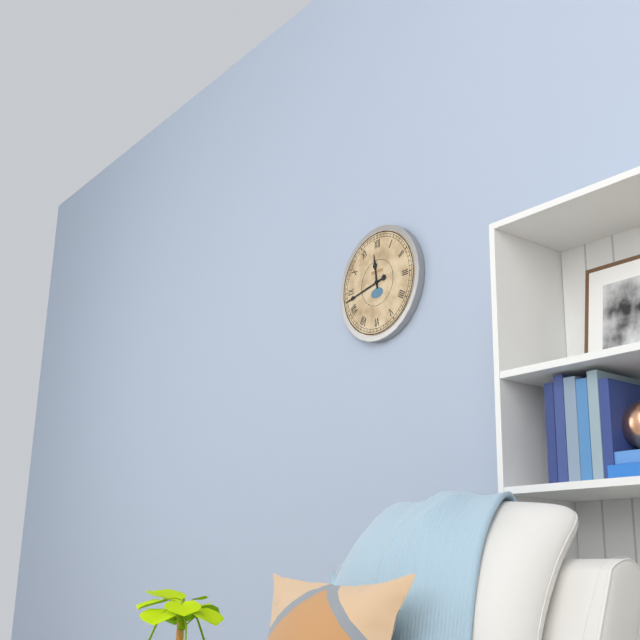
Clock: 11 h 43 min
